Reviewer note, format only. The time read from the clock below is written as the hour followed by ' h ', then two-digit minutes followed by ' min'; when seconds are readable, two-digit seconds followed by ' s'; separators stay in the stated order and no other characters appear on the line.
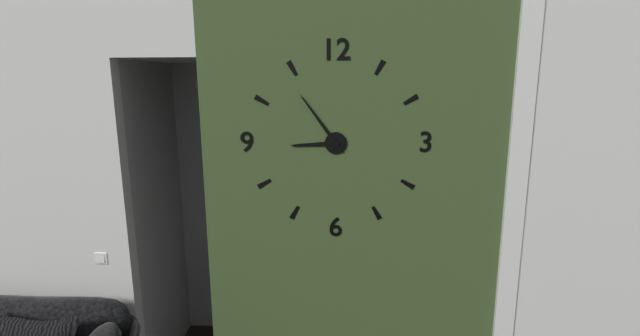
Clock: 8 h 54 min
